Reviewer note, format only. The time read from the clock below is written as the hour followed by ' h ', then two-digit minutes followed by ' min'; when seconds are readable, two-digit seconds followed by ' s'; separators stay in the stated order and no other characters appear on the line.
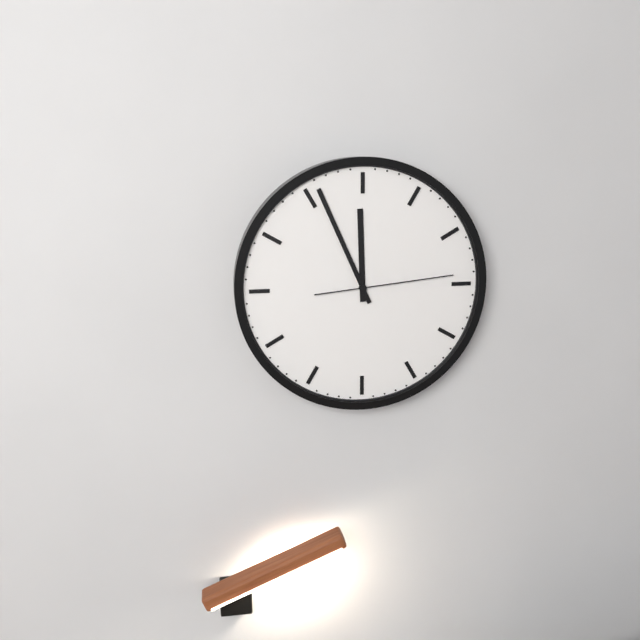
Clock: 11 h 56 min 14 s
